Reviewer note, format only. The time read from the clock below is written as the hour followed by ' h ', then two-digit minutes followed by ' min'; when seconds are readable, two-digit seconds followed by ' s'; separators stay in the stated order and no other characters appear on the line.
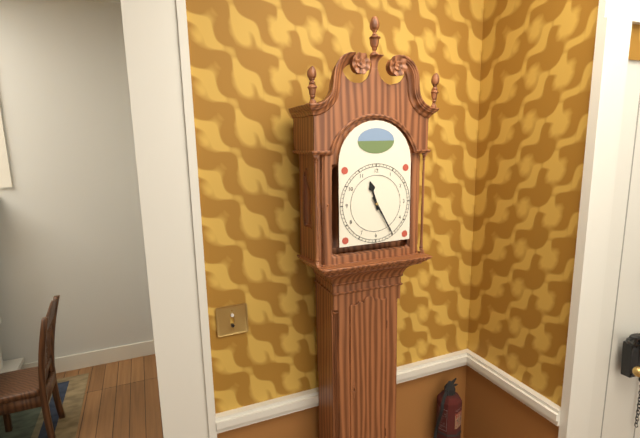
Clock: 11 h 25 min
